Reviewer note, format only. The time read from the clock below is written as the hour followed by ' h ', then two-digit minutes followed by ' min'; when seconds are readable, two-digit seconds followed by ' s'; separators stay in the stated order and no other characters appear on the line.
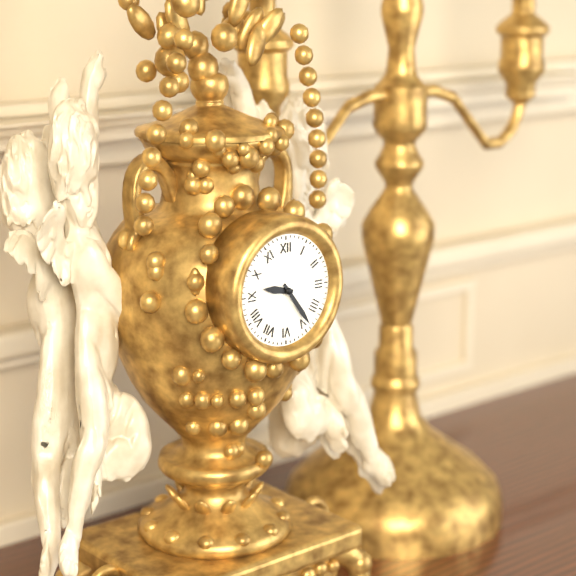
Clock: 9 h 24 min
